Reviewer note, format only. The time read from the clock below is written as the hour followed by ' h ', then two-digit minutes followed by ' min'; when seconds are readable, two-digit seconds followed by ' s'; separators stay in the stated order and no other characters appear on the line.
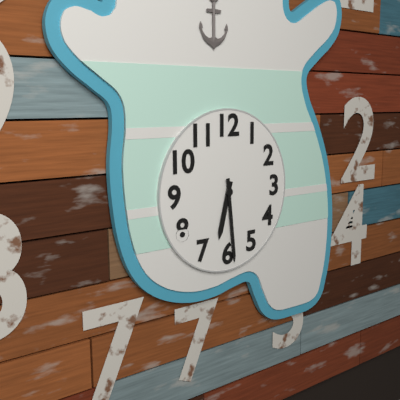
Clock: 6 h 29 min
